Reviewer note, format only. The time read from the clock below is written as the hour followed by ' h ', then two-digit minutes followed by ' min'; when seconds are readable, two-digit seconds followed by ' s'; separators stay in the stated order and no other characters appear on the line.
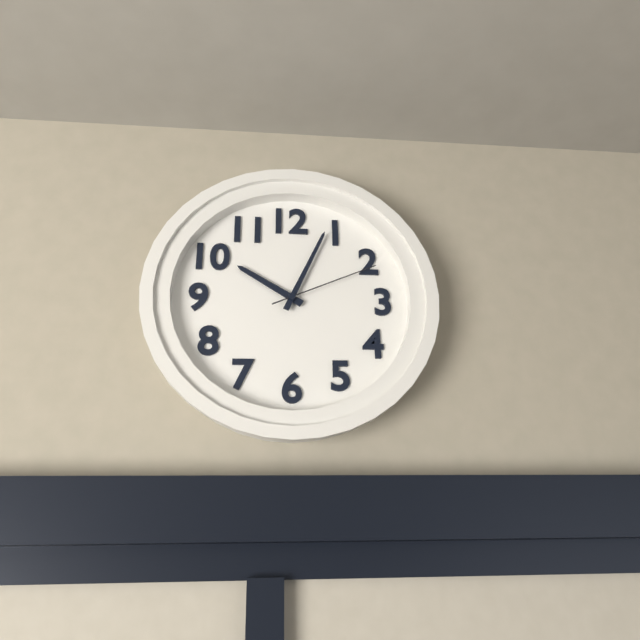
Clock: 10 h 04 min 11 s
